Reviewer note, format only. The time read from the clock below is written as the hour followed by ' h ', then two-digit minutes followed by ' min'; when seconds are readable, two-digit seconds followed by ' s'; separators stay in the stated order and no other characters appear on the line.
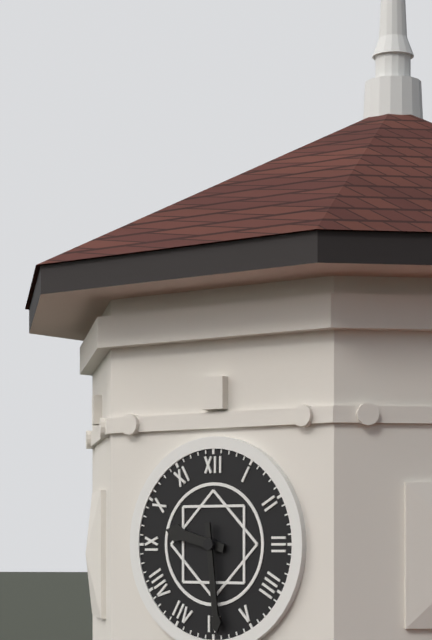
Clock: 9 h 29 min
